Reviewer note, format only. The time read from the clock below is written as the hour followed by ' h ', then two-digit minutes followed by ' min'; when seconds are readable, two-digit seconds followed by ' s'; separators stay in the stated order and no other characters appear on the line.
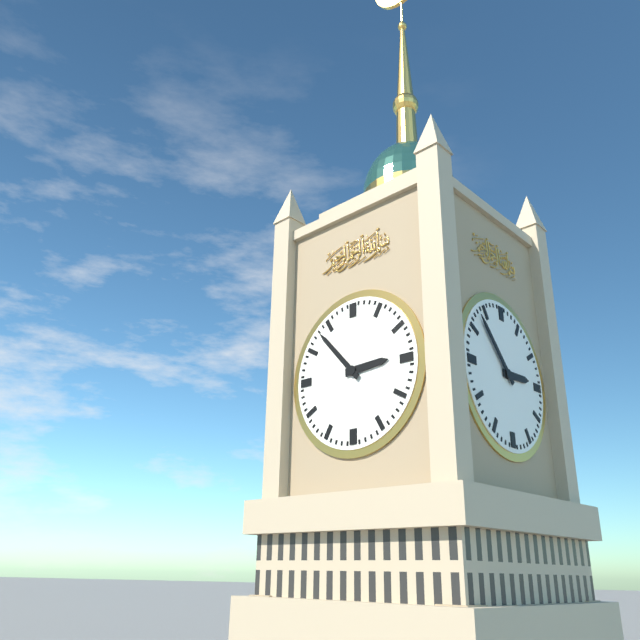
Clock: 2 h 53 min
